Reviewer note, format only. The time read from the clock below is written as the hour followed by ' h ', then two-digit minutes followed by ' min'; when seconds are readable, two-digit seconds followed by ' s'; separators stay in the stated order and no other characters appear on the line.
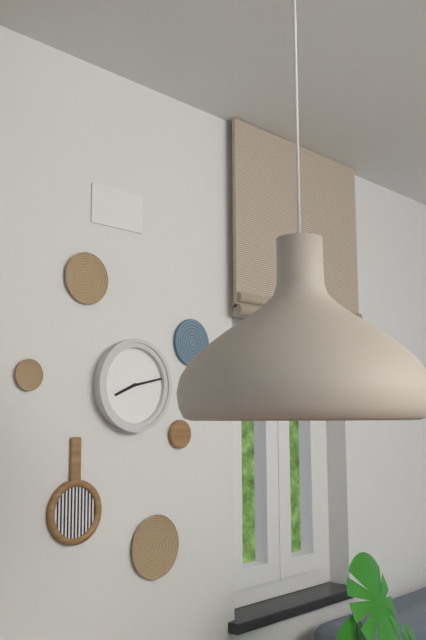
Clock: 8 h 13 min
